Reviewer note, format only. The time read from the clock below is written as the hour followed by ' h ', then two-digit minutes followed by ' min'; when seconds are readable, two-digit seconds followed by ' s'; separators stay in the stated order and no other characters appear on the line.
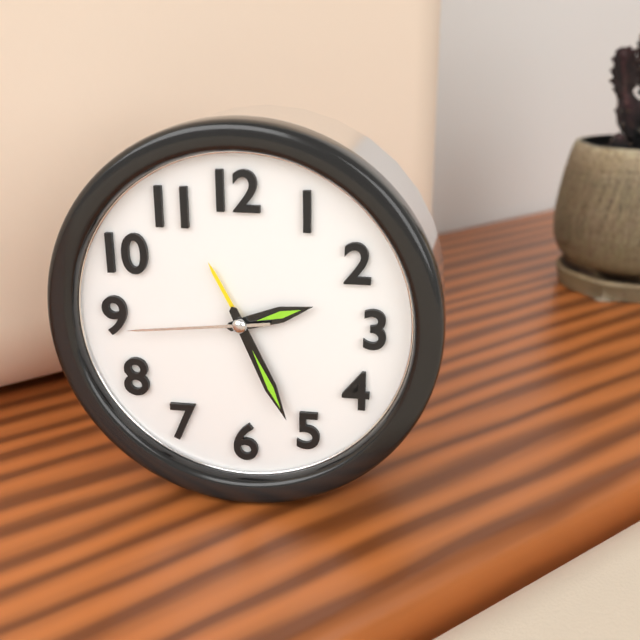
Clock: 2 h 26 min 44 s
